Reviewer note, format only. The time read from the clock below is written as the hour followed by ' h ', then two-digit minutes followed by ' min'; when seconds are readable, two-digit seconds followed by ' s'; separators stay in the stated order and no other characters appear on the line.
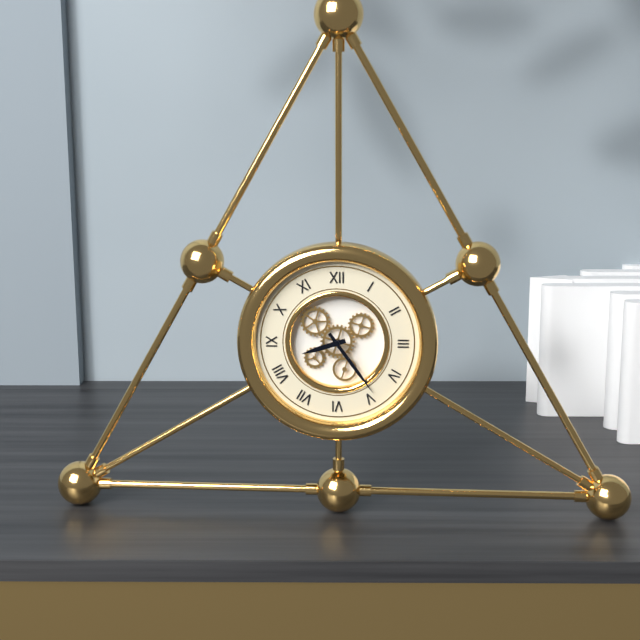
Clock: 8 h 24 min
